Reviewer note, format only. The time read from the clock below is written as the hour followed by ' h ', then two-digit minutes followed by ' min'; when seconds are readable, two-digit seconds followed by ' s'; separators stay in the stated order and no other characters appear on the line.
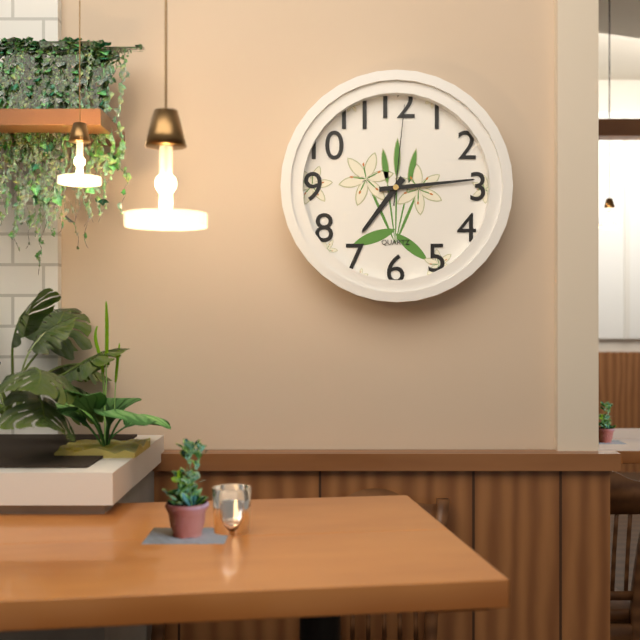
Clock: 7 h 14 min 01 s
